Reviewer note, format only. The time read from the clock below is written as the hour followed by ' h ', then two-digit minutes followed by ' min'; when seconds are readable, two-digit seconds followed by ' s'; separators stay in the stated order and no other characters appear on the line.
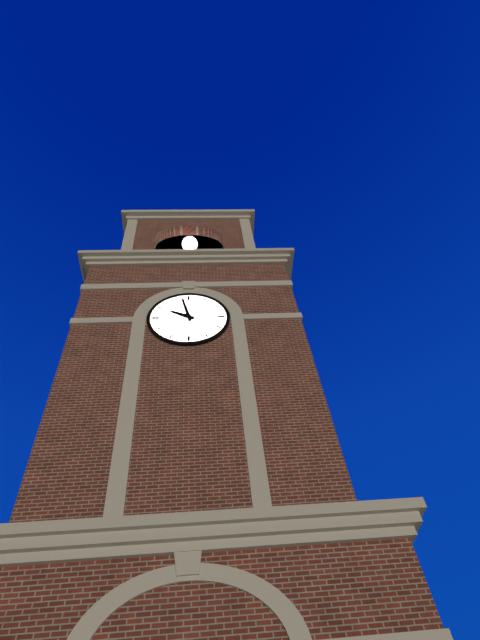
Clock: 9 h 58 min
